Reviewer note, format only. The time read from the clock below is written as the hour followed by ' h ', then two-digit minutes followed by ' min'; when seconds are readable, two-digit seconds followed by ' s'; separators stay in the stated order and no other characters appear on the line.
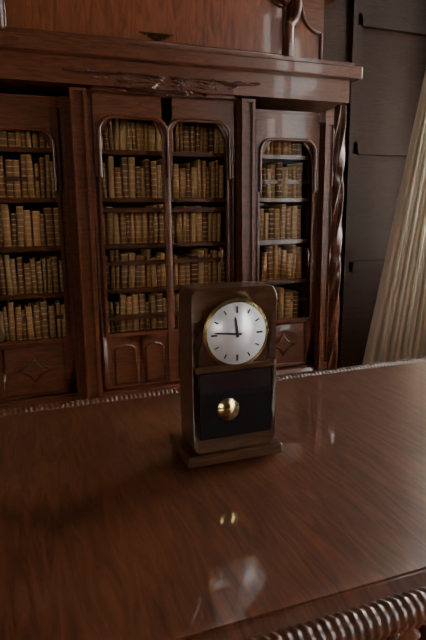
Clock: 11 h 46 min
